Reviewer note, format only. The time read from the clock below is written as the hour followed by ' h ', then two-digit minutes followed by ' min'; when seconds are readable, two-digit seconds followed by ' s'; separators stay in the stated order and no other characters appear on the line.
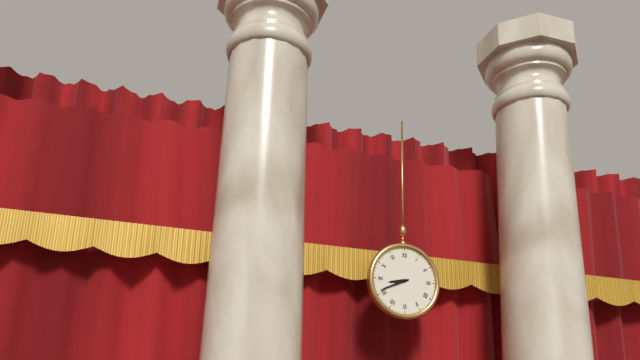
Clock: 8 h 41 min
